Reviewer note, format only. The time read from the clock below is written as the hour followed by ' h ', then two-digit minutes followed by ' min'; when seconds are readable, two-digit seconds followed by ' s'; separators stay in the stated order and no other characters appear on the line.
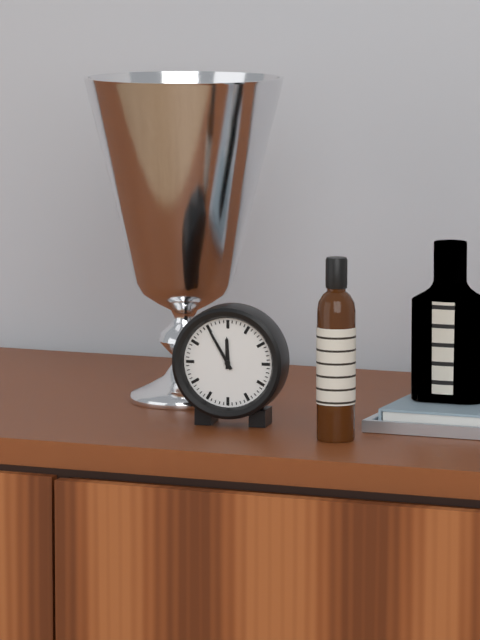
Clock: 11 h 55 min
